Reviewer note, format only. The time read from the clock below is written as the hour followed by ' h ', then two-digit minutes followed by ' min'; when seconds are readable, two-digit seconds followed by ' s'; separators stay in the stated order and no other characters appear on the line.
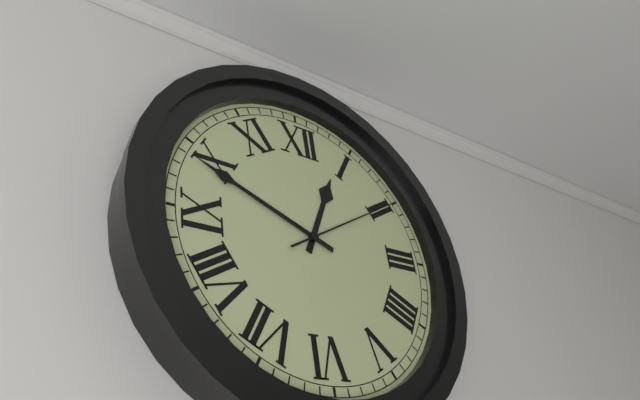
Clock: 12 h 49 min 10 s
